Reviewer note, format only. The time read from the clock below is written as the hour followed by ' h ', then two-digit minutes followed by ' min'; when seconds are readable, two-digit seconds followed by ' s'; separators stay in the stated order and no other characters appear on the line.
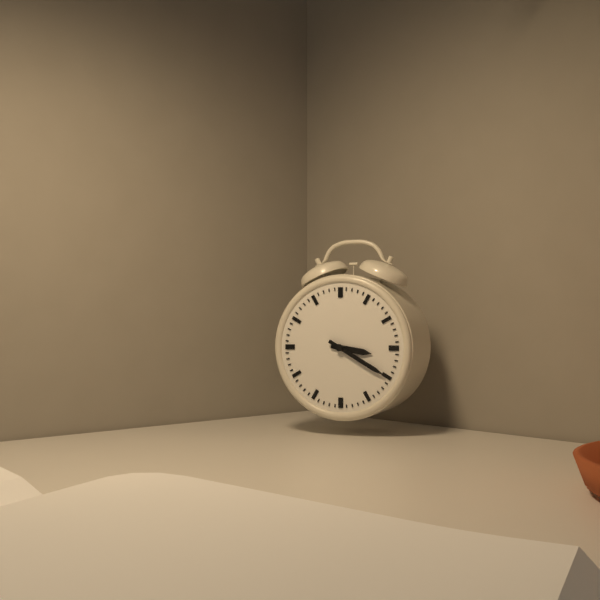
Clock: 3 h 20 min
